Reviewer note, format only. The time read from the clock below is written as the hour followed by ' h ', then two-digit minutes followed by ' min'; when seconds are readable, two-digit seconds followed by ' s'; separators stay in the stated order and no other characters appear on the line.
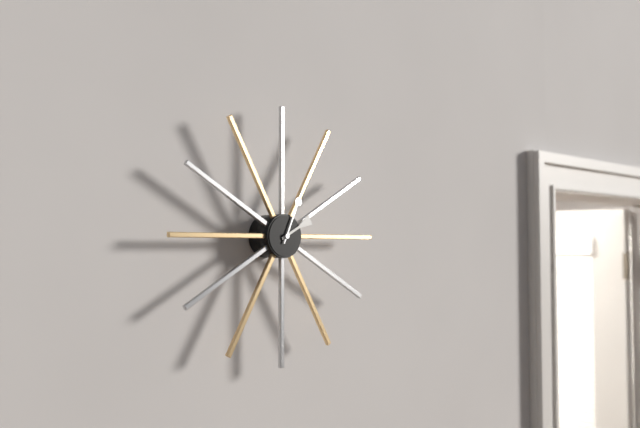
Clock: 2 h 04 min
